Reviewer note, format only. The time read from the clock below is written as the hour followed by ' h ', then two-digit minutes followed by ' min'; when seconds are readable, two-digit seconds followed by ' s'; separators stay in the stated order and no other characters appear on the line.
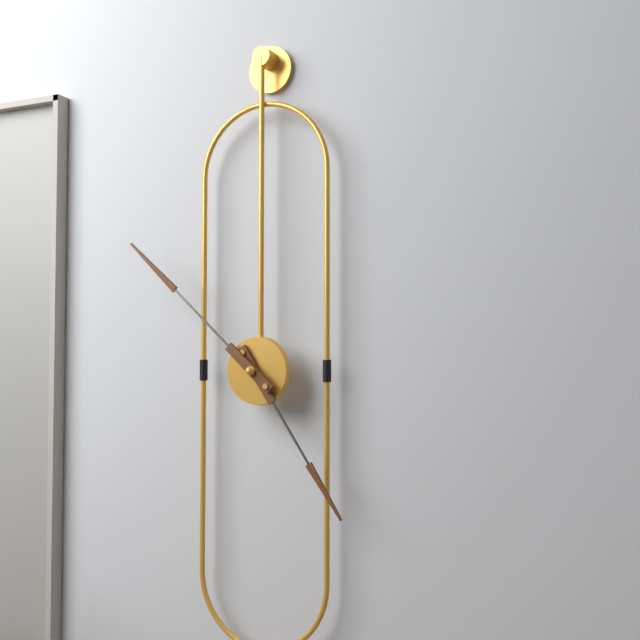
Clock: 4 h 52 min
